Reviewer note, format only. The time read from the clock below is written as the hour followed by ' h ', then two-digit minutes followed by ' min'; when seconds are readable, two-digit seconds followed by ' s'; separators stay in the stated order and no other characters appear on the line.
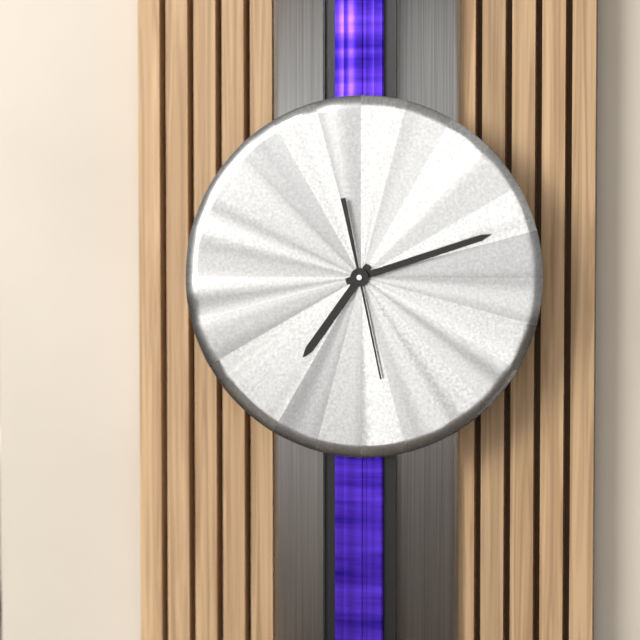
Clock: 7 h 12 min 28 s
